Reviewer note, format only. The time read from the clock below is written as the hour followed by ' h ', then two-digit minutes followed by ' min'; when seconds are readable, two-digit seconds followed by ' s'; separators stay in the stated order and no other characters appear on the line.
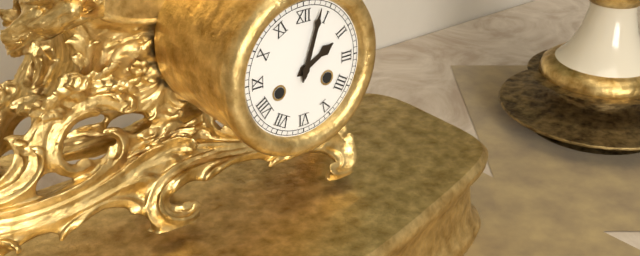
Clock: 2 h 03 min
